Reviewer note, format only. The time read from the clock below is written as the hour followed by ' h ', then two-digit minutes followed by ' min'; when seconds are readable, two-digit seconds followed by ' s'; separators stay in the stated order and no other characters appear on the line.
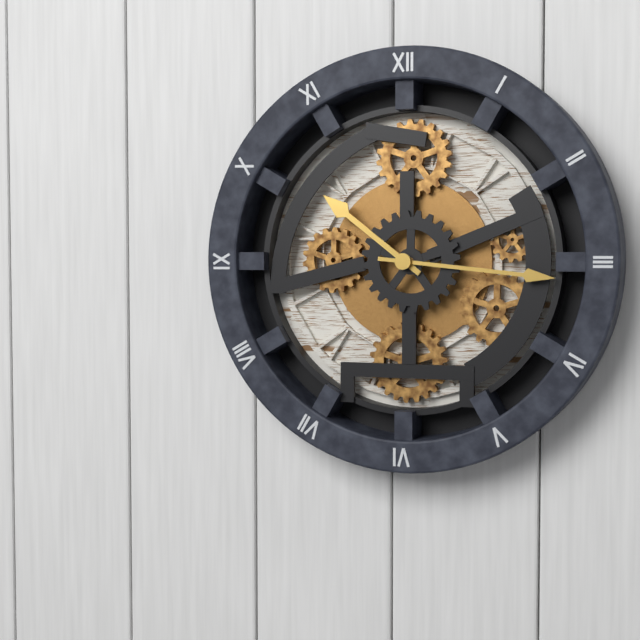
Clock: 10 h 16 min
